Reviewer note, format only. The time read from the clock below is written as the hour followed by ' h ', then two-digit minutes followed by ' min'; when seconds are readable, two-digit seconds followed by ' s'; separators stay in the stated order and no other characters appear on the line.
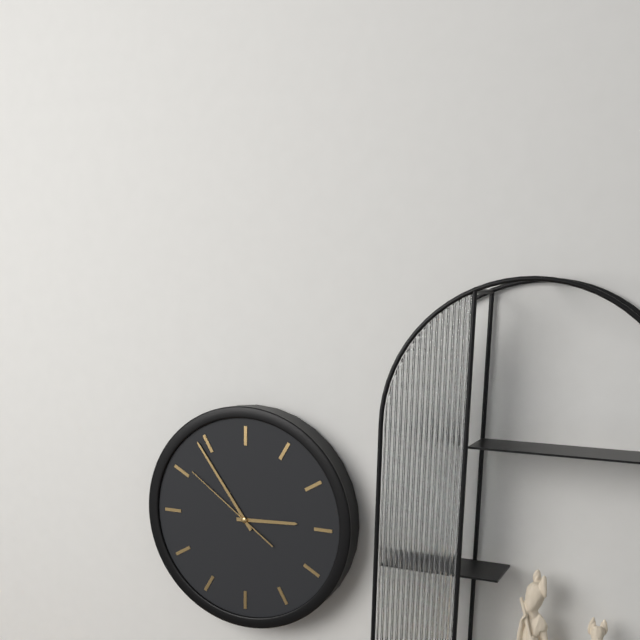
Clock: 2 h 54 min 51 s
